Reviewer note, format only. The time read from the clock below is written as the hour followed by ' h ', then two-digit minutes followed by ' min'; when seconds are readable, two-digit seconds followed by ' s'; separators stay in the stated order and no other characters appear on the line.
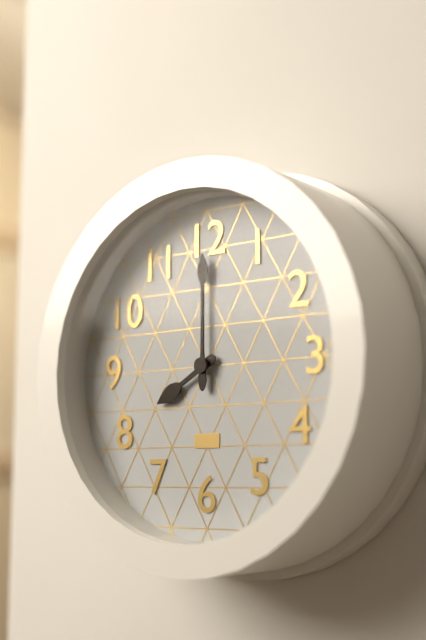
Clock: 8 h 00 min
